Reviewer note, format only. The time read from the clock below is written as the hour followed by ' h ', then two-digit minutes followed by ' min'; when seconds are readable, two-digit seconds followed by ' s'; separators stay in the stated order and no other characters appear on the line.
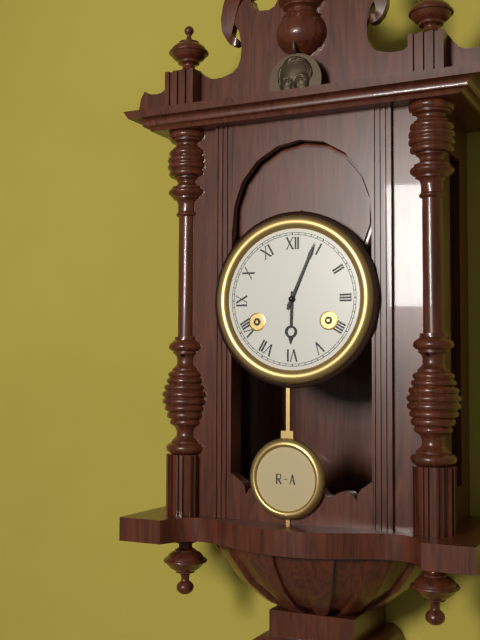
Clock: 6 h 04 min
